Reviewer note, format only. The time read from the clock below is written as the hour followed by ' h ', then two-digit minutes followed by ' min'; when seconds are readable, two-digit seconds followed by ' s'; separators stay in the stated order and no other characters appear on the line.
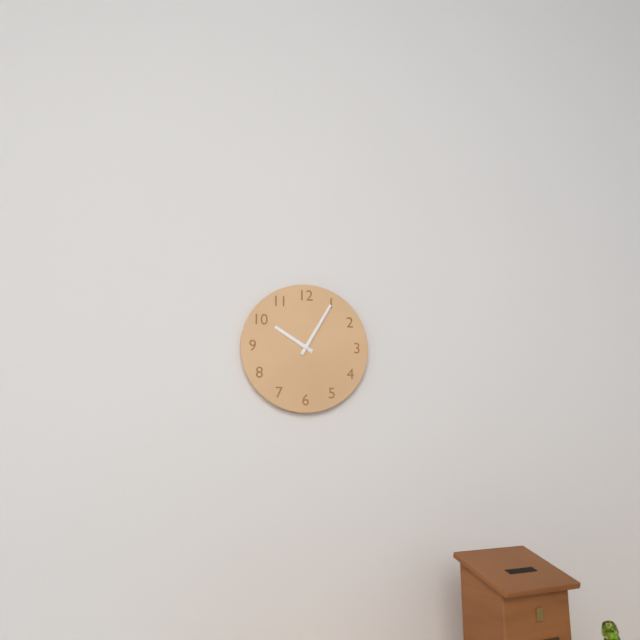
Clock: 10 h 05 min
